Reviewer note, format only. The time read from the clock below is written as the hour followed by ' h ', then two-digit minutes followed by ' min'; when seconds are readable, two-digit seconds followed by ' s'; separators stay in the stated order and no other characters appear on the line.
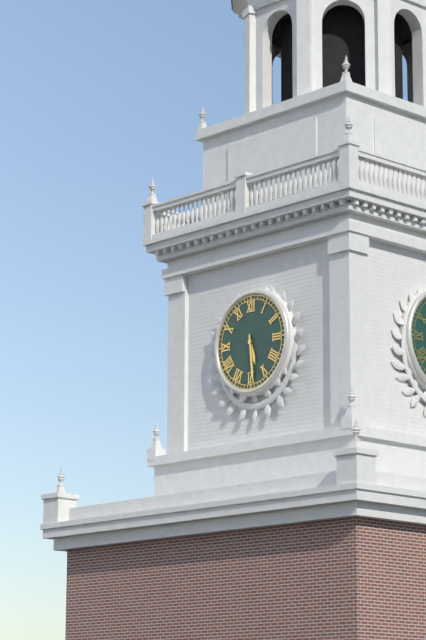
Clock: 5 h 29 min
